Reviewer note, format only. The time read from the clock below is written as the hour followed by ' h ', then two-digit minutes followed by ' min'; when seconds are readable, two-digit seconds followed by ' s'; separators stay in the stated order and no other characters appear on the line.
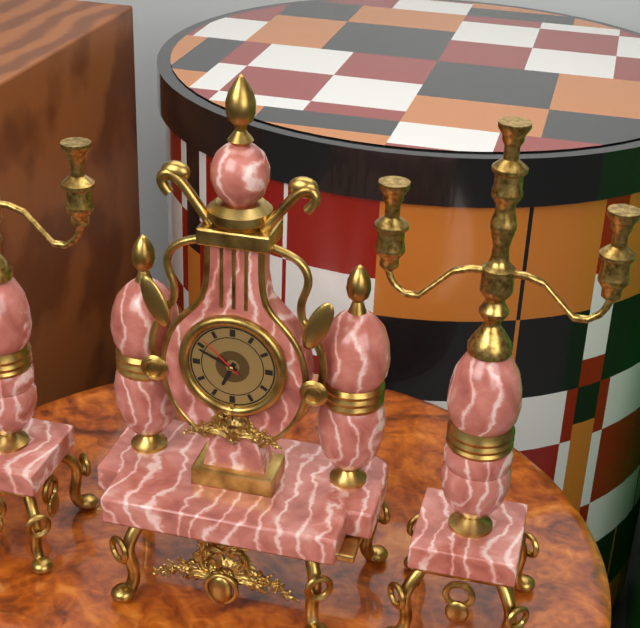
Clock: 6 h 49 min 52 s
